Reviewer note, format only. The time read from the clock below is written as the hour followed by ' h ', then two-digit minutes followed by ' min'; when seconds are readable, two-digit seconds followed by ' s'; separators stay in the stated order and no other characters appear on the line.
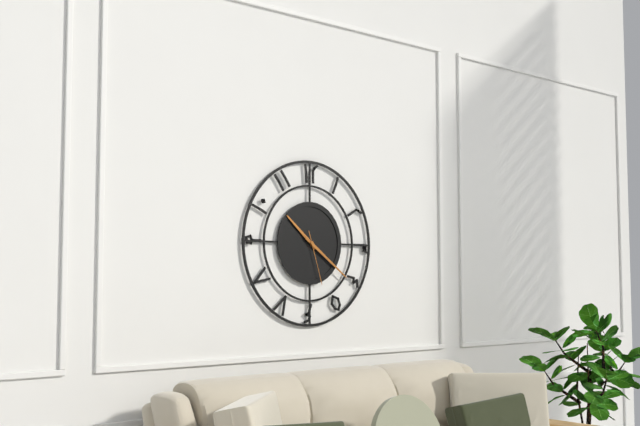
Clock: 10 h 21 min 27 s
